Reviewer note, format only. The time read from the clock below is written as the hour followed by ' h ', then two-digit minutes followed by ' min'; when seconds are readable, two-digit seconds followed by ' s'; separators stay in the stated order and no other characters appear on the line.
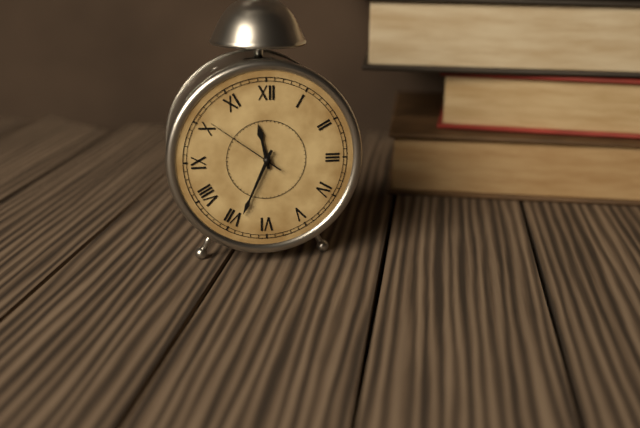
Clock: 11 h 34 min 51 s
